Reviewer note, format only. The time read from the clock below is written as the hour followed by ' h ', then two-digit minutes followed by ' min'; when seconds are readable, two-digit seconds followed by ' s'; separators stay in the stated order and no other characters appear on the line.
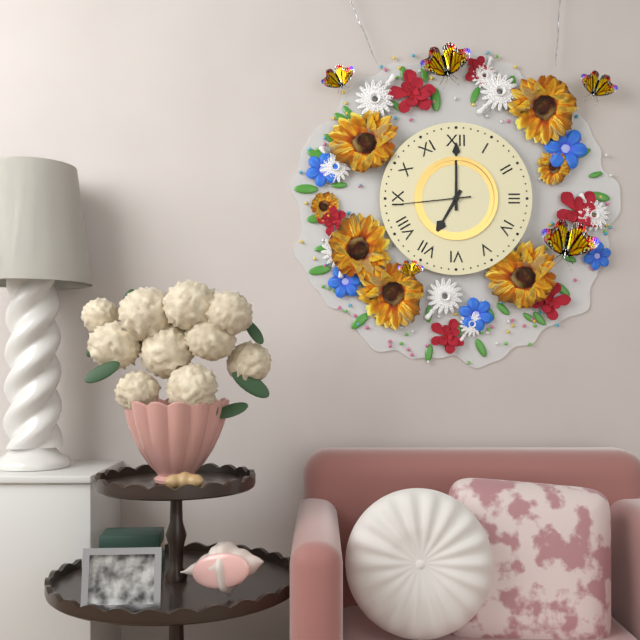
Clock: 7 h 00 min 44 s
